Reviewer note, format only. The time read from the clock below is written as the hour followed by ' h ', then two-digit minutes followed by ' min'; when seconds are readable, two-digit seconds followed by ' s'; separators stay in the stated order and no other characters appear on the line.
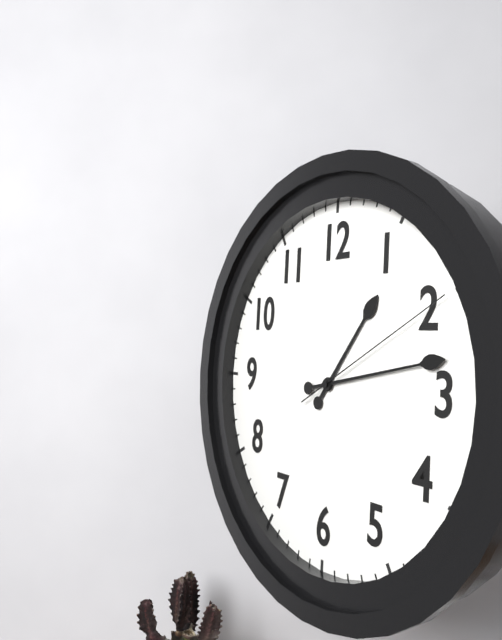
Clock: 1 h 13 min 10 s
